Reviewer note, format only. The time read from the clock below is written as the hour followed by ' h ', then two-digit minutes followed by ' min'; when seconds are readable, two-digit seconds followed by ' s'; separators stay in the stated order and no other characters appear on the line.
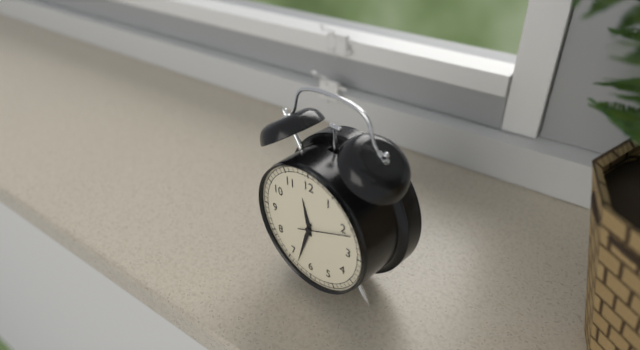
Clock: 11 h 33 min
